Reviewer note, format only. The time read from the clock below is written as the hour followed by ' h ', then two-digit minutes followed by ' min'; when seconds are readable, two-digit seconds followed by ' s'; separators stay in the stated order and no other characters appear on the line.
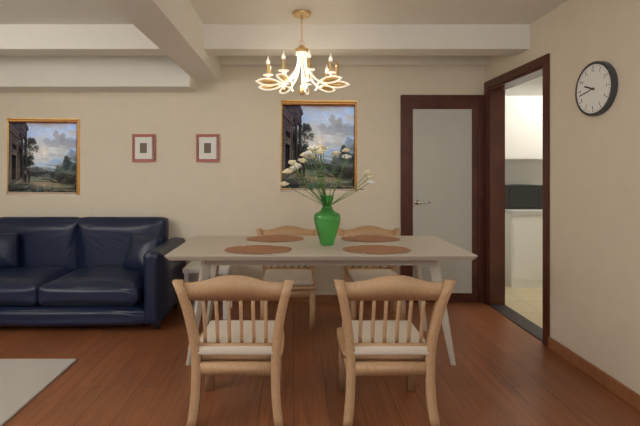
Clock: 9 h 43 min
